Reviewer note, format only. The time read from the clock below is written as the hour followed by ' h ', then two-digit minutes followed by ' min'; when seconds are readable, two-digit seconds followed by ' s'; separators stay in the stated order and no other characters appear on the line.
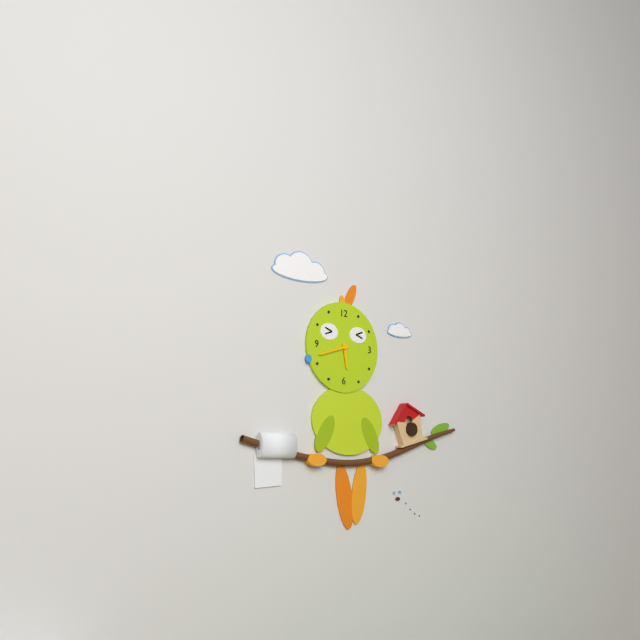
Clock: 5 h 42 min
